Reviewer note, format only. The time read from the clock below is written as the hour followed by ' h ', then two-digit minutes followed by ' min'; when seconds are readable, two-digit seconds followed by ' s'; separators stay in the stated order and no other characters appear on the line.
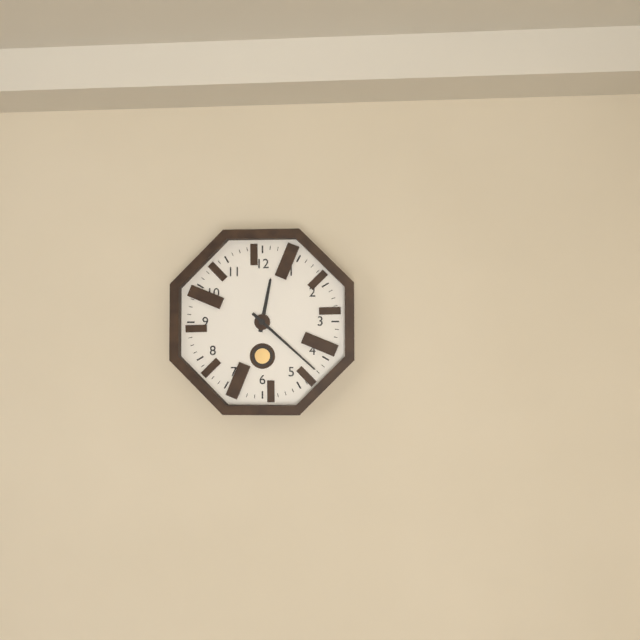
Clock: 12 h 22 min
